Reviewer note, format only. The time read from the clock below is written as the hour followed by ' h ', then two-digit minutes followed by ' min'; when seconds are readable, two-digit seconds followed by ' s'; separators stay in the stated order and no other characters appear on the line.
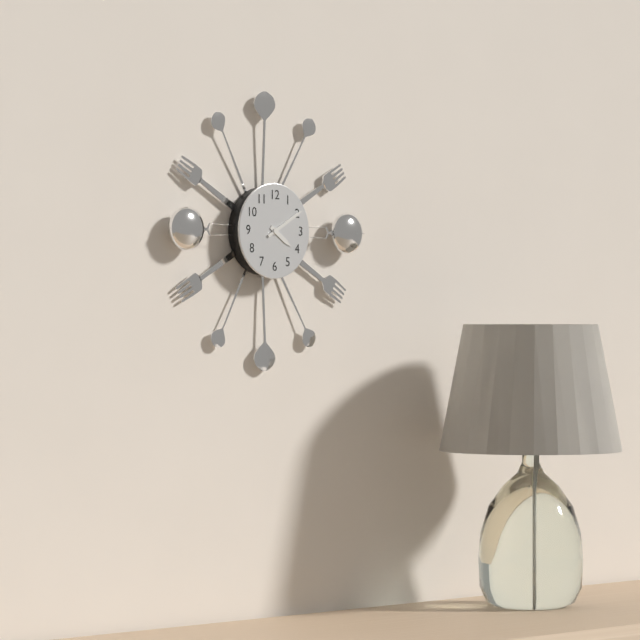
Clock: 4 h 10 min
